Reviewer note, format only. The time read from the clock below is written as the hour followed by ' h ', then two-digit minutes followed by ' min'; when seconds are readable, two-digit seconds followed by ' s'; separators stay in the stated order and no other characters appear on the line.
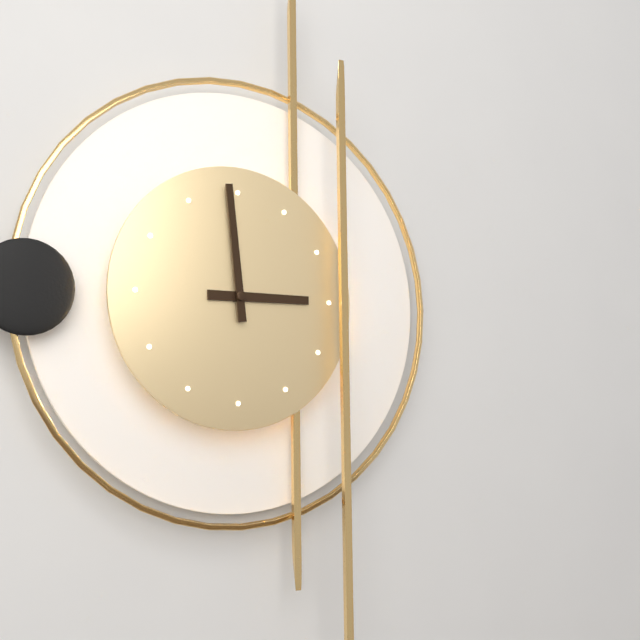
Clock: 2 h 59 min
